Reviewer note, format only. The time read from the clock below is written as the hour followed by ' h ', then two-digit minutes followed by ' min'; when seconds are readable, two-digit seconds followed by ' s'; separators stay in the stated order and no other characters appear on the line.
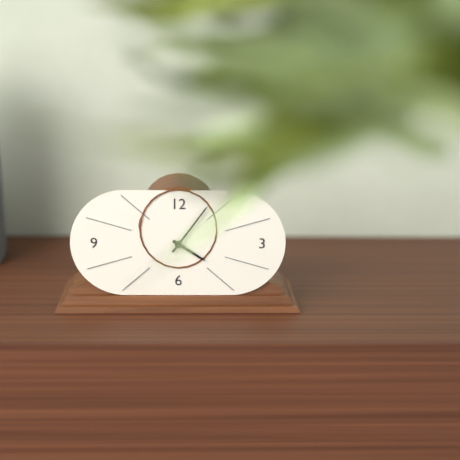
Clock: 4 h 06 min
